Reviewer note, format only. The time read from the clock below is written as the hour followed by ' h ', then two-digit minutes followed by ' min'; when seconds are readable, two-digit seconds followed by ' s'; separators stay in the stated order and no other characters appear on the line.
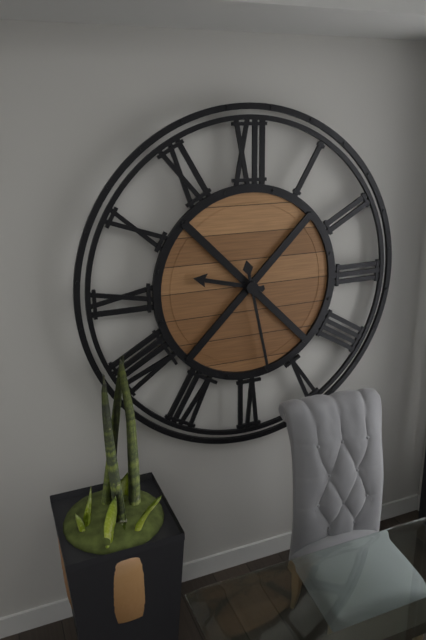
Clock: 9 h 28 min
